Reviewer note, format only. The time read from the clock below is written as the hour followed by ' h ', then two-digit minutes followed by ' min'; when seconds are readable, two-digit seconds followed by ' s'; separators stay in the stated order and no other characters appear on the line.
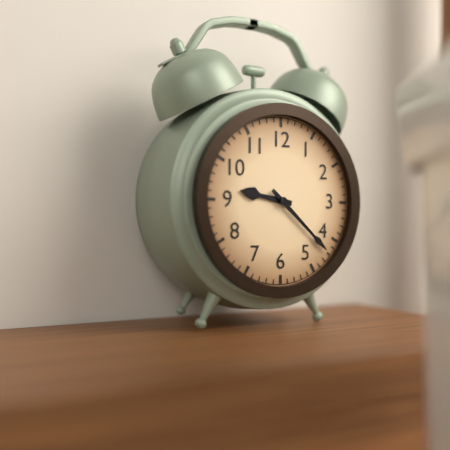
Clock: 9 h 22 min
